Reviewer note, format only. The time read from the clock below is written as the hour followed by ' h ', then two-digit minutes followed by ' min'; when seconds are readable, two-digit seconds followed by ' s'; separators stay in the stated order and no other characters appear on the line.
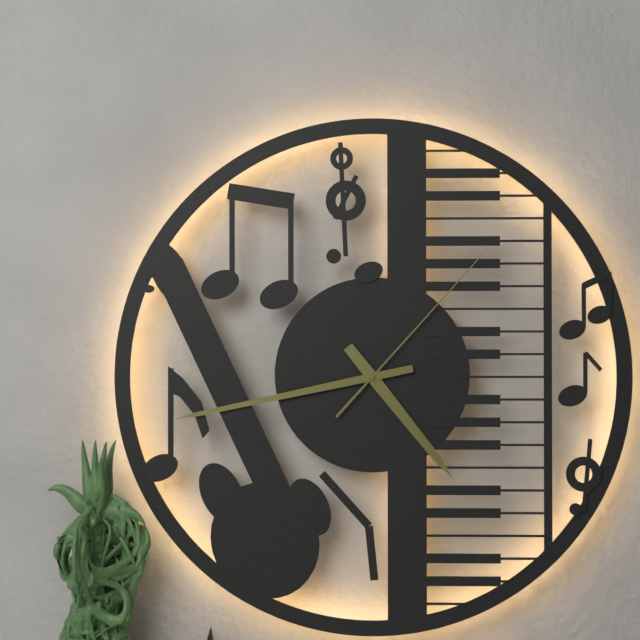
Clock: 4 h 43 min 07 s
